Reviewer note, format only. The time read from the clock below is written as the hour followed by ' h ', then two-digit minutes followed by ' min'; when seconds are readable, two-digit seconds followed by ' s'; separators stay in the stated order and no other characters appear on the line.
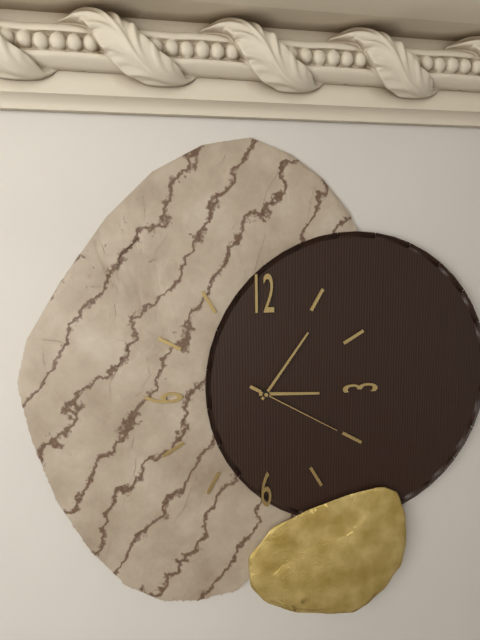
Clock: 3 h 06 min 20 s
